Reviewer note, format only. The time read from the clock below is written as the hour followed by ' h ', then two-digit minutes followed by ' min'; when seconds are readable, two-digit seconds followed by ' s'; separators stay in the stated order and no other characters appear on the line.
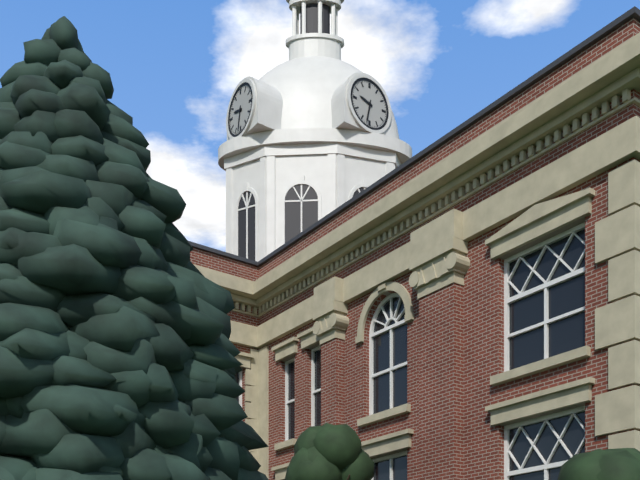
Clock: 9 h 32 min
